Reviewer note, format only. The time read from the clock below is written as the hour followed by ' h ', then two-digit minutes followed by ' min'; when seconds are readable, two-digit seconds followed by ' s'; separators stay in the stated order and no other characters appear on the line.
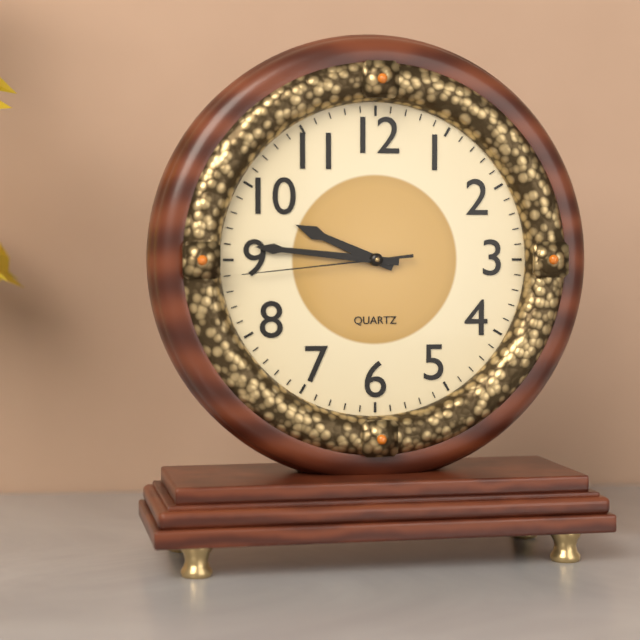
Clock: 9 h 46 min 44 s
